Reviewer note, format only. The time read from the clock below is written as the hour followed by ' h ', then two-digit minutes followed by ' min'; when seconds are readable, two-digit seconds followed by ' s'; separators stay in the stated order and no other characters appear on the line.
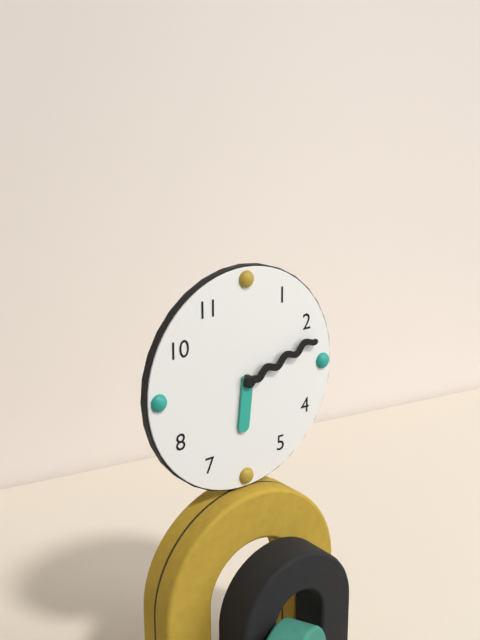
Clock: 6 h 12 min
